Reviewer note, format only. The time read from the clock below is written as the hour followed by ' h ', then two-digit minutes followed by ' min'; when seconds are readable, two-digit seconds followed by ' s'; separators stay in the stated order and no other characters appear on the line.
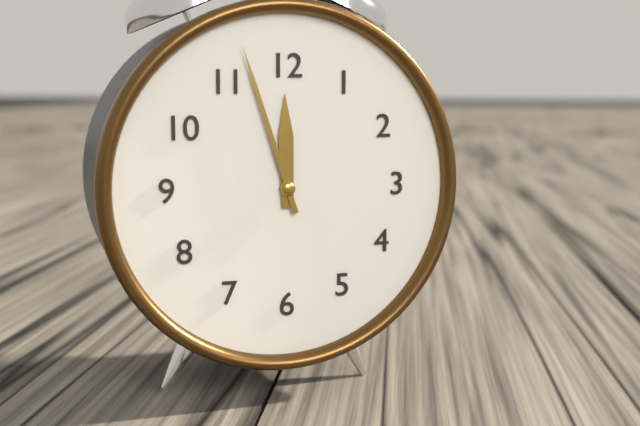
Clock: 11 h 57 min
